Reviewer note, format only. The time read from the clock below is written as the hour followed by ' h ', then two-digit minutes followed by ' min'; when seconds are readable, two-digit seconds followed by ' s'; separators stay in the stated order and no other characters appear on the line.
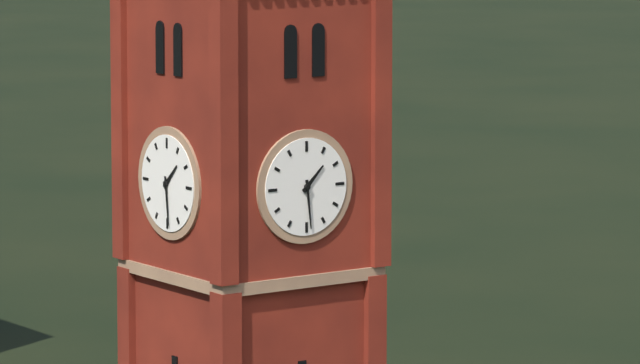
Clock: 1 h 29 min
